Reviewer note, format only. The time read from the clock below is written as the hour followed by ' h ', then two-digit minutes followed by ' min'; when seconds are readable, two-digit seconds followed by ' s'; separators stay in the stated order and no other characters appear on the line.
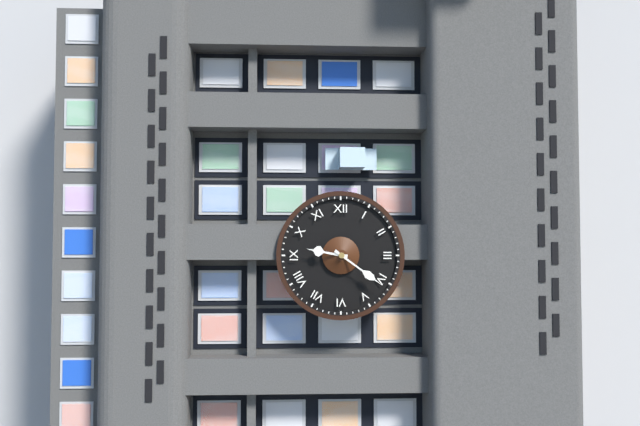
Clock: 9 h 21 min
